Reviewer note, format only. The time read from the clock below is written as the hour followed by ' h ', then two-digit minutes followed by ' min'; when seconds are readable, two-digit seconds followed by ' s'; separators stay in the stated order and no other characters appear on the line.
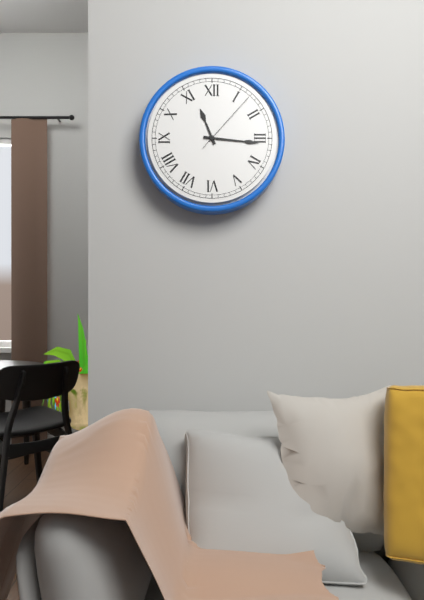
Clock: 11 h 16 min 07 s
